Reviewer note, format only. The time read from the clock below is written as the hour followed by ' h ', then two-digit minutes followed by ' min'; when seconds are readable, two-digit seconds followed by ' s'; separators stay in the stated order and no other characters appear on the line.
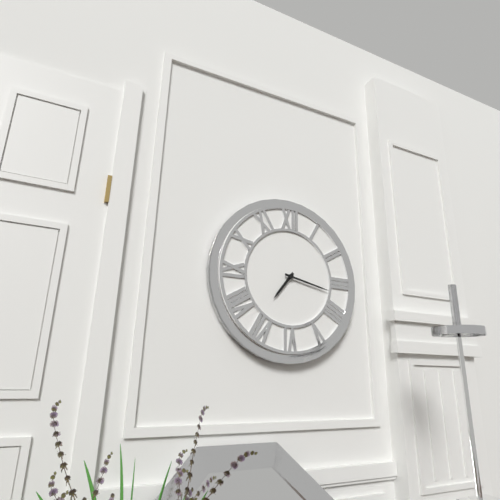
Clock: 7 h 17 min
